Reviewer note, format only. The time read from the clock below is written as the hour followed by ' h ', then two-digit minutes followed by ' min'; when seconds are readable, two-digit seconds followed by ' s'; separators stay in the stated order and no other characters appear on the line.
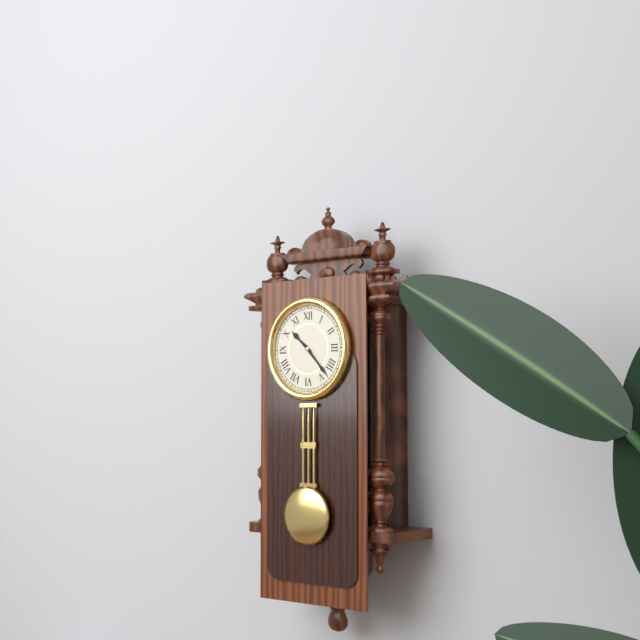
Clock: 10 h 23 min
